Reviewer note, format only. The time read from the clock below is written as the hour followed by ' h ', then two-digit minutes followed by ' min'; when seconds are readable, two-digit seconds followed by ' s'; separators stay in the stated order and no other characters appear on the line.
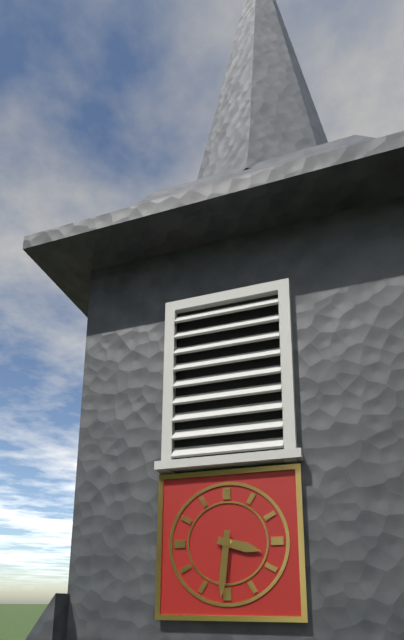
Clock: 3 h 31 min
